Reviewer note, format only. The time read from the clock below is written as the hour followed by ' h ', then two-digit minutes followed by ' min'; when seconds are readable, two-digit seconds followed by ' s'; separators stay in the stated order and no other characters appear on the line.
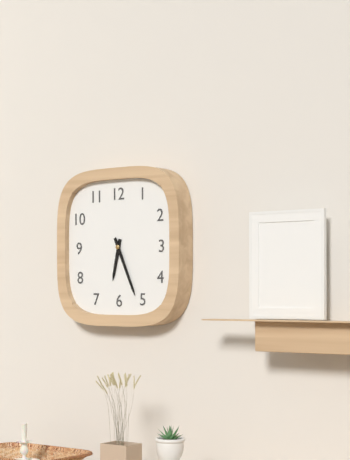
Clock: 6 h 26 min
